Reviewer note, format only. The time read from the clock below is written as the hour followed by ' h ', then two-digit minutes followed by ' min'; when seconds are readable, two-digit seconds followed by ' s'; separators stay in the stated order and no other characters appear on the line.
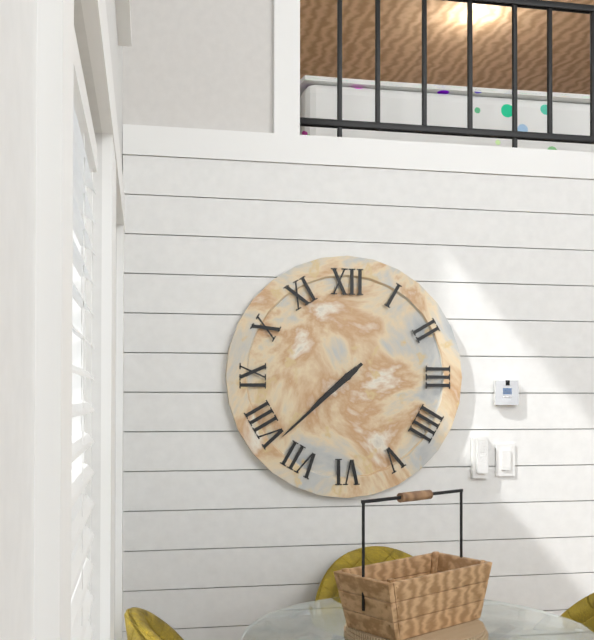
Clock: 7 h 38 min
